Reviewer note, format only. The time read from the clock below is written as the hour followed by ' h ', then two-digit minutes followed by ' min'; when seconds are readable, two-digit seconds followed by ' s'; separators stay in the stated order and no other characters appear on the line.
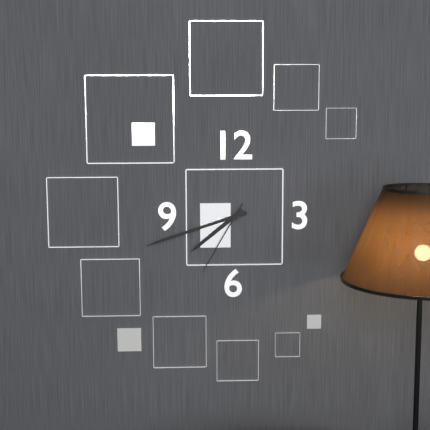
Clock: 7 h 42 min 35 s
